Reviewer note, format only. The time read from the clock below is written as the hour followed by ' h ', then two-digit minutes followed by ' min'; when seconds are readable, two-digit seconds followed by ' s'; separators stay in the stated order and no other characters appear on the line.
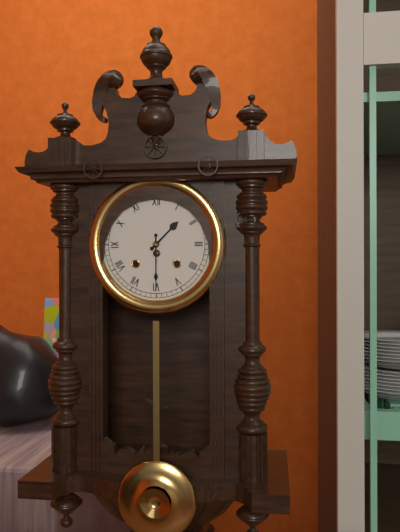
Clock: 1 h 30 min
